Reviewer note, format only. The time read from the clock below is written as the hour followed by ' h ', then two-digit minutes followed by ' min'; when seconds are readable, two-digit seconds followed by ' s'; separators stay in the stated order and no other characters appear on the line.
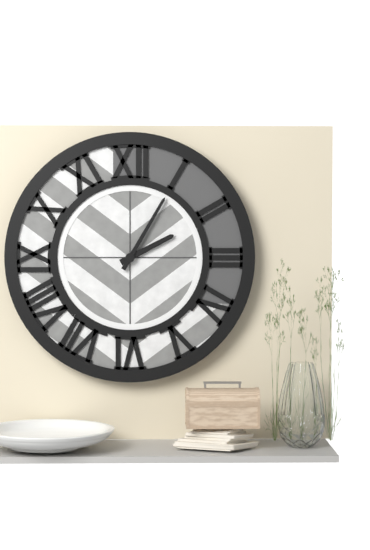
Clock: 2 h 05 min
